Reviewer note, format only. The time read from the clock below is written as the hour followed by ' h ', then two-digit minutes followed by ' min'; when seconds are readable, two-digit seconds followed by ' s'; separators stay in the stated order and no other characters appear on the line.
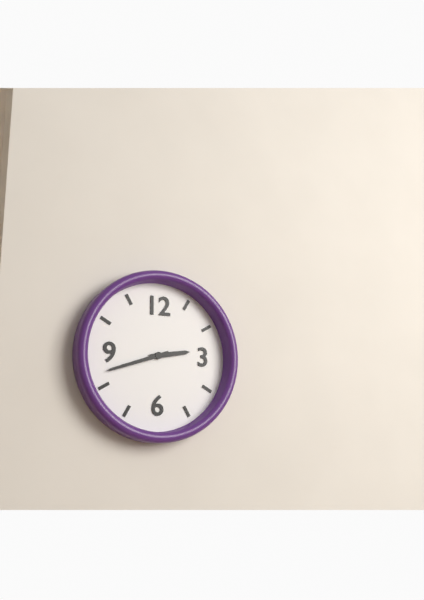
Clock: 2 h 42 min
